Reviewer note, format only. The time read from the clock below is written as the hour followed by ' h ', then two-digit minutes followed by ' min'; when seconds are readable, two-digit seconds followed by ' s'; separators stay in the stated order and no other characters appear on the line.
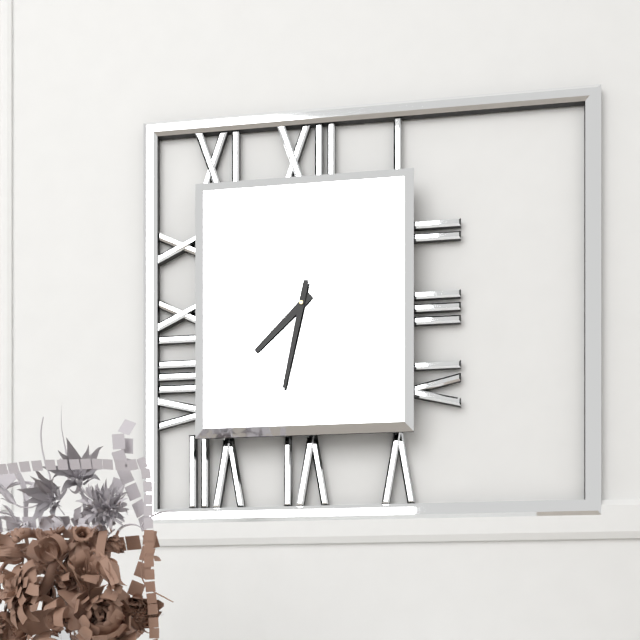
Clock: 7 h 32 min
